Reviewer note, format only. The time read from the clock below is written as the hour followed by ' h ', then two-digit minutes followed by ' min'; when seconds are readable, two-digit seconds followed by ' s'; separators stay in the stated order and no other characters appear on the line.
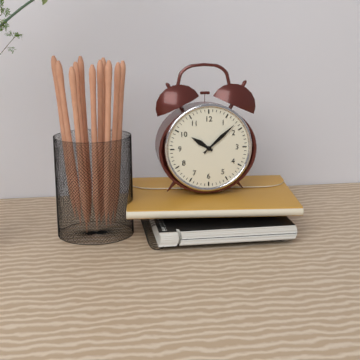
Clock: 10 h 08 min
